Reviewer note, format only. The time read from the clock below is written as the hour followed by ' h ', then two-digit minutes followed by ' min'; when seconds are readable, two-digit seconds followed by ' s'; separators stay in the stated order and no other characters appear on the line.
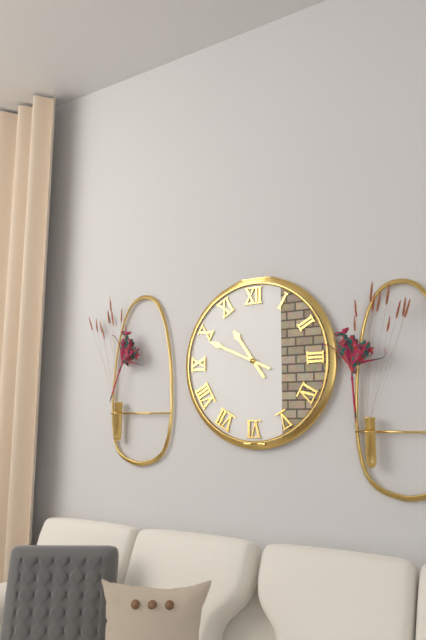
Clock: 10 h 49 min
